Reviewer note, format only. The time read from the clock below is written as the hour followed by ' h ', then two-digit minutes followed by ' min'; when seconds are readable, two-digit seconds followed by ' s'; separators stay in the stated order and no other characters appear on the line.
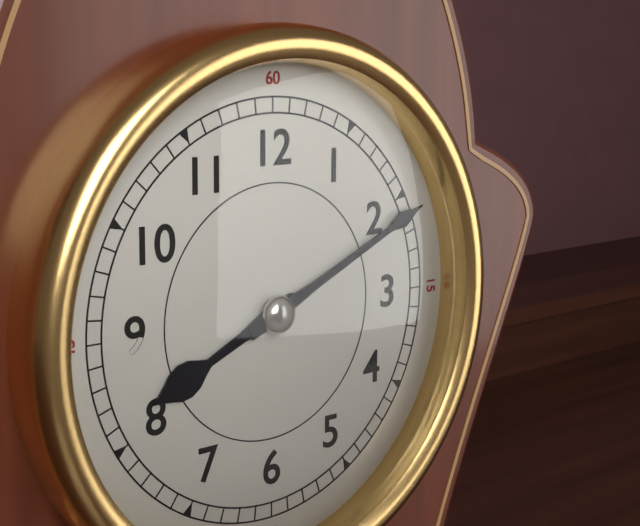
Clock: 8 h 11 min
